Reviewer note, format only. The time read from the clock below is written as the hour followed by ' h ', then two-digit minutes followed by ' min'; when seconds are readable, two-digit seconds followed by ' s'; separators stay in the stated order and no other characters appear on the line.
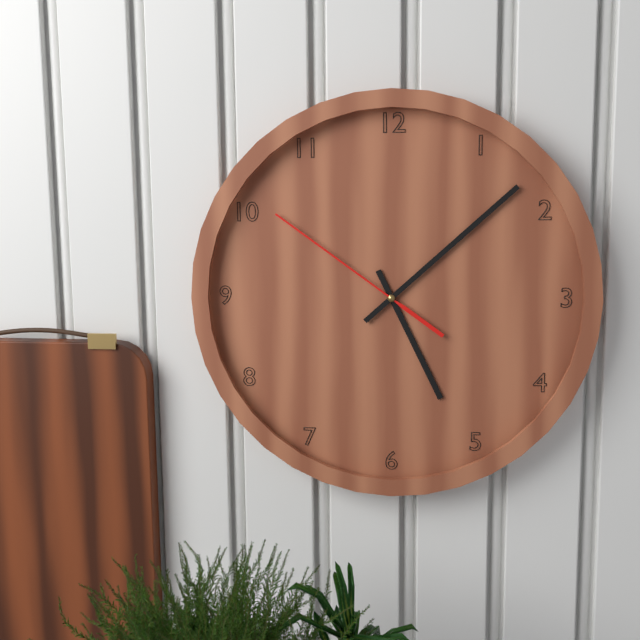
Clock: 5 h 08 min 51 s
